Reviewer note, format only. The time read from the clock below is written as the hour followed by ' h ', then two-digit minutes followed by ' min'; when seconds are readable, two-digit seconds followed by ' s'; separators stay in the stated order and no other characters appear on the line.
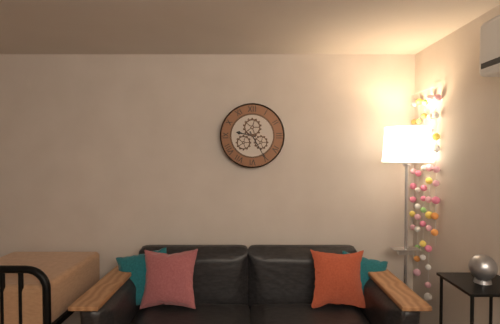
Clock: 9 h 25 min
